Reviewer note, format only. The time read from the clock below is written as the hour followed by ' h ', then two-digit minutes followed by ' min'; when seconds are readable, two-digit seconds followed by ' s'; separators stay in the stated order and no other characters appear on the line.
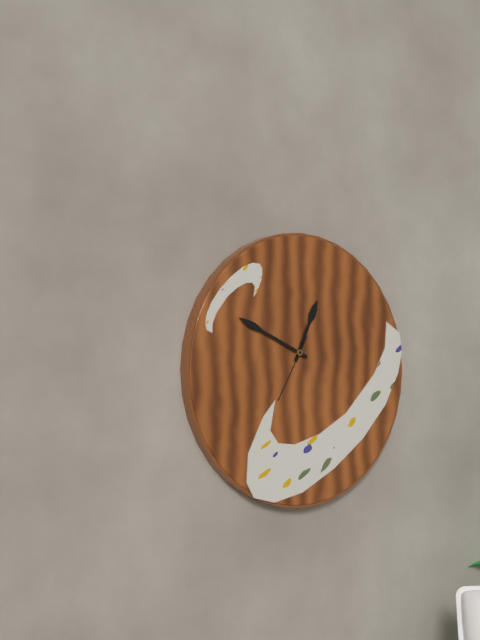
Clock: 12 h 49 min 35 s
